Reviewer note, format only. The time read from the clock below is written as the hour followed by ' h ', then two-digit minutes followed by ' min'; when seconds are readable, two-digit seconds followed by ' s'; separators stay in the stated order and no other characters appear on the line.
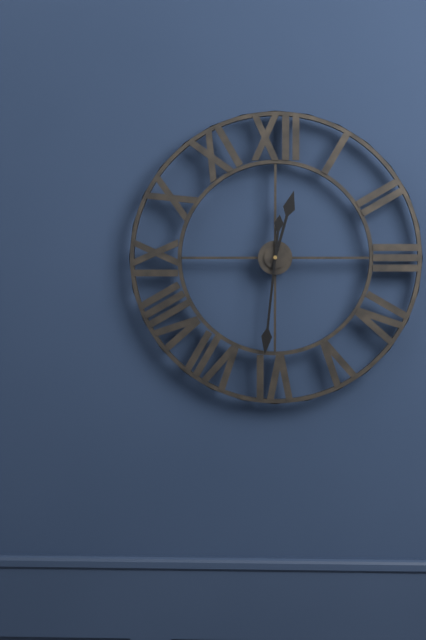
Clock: 12 h 31 min
